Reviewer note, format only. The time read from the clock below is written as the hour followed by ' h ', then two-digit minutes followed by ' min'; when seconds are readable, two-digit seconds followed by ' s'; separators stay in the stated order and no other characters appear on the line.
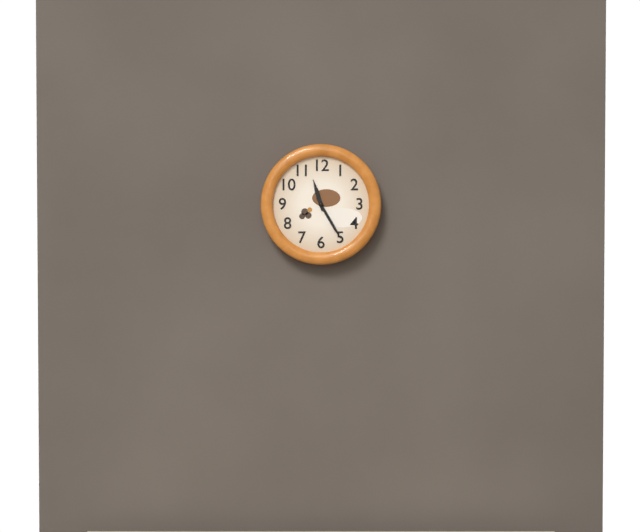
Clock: 11 h 25 min
